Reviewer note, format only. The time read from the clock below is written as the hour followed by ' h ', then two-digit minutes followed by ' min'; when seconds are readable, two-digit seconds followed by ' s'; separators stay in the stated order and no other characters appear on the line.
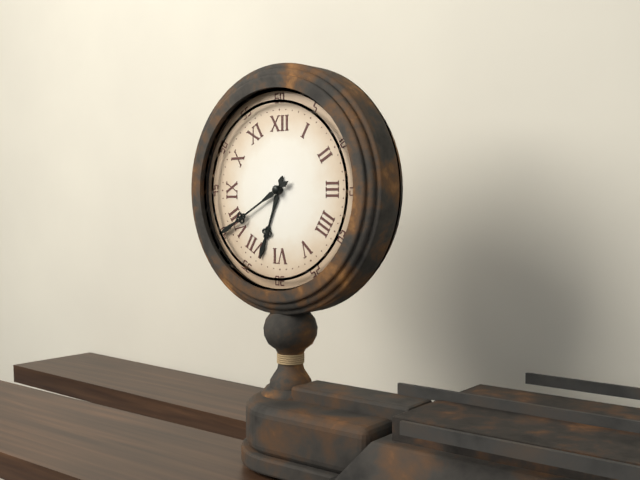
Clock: 6 h 40 min
